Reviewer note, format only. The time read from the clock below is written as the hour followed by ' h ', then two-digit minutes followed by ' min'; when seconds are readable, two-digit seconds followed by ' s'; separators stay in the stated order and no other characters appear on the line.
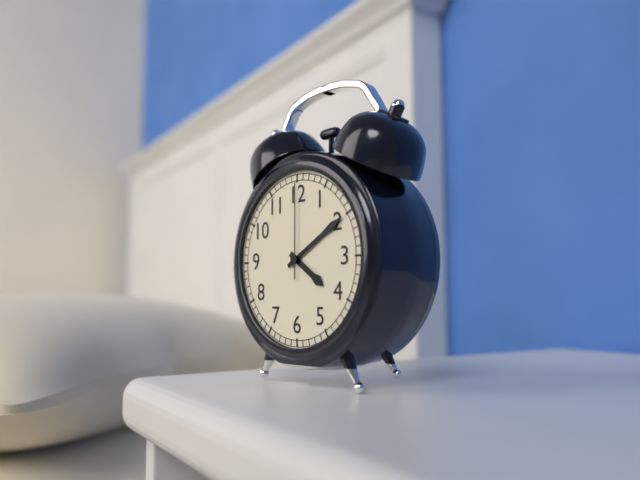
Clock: 4 h 10 min 00 s
